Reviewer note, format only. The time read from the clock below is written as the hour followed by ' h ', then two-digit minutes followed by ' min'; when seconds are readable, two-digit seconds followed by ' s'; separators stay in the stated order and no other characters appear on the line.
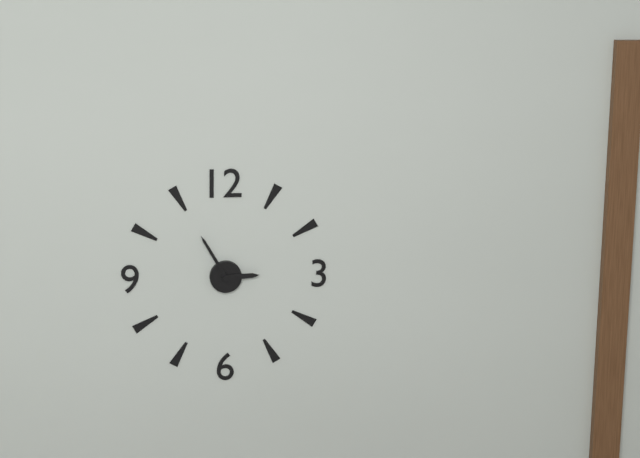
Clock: 2 h 55 min
